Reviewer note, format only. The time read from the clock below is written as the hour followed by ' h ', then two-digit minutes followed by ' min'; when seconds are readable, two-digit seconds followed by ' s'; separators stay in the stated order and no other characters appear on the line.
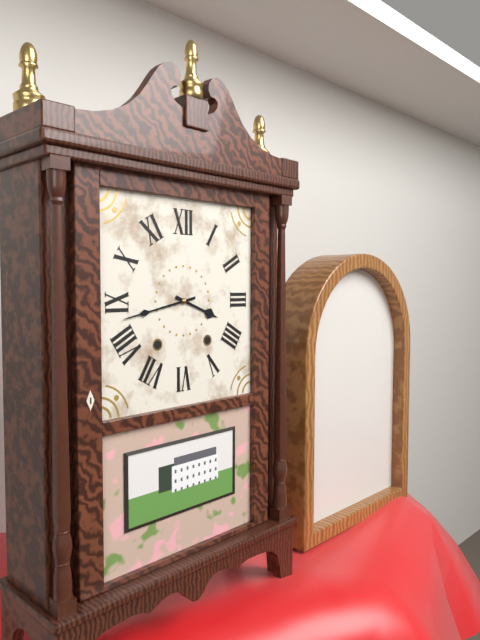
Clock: 3 h 43 min
